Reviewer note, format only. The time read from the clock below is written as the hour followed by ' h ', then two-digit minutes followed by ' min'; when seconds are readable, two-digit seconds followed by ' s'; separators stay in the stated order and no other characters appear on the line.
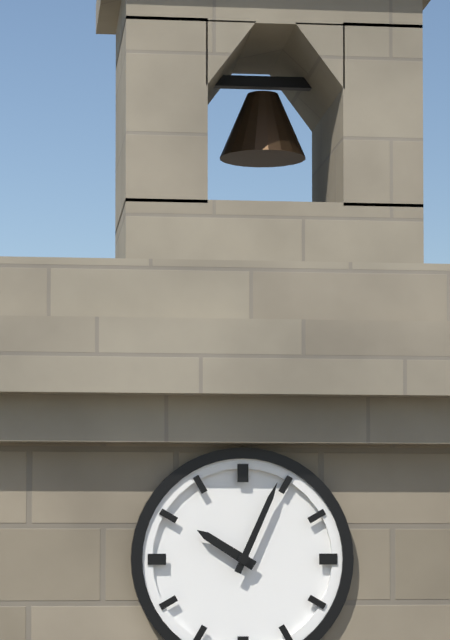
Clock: 10 h 04 min
